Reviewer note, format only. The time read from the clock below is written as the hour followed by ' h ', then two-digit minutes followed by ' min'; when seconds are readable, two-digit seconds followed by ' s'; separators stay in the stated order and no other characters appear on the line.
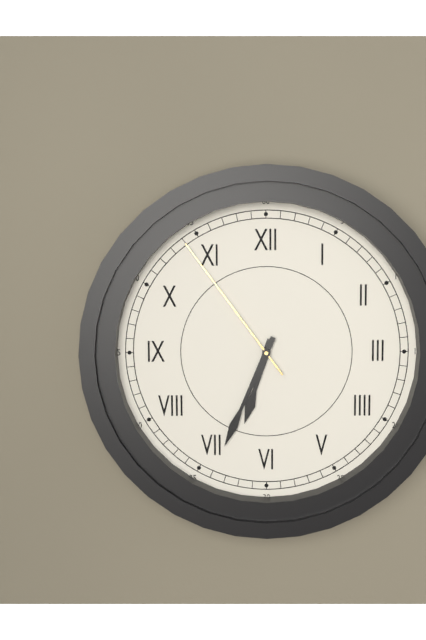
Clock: 6 h 34 min 54 s
